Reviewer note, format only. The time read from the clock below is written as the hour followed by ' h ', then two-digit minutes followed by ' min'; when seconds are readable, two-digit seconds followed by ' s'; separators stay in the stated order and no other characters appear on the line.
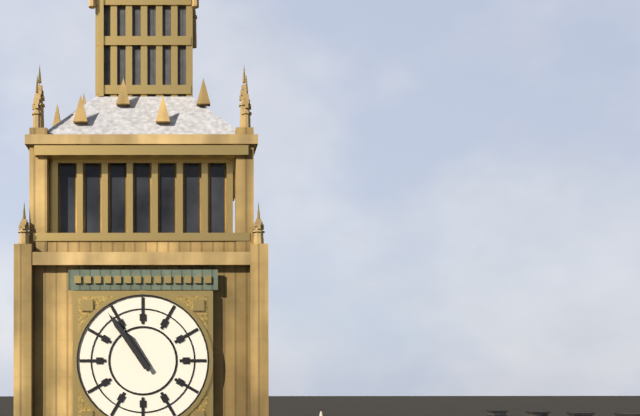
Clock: 10 h 54 min
